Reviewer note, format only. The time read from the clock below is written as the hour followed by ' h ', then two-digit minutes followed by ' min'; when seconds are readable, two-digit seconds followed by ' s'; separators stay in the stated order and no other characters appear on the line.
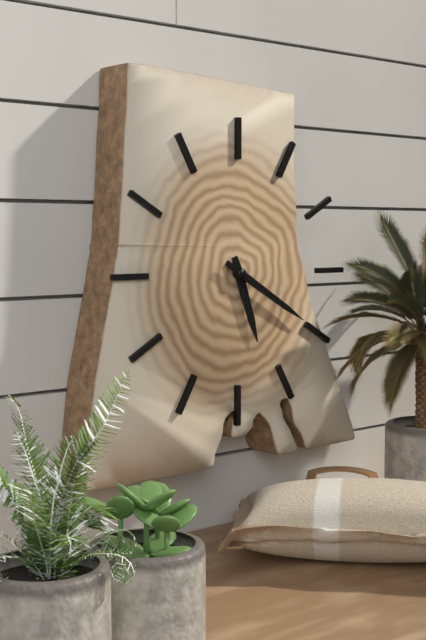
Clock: 5 h 20 min
